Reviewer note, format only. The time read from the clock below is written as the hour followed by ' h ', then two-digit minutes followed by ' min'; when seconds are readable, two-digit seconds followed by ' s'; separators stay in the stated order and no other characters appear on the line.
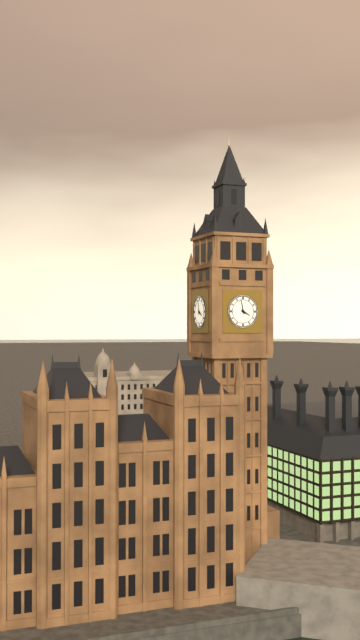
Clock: 3 h 58 min
